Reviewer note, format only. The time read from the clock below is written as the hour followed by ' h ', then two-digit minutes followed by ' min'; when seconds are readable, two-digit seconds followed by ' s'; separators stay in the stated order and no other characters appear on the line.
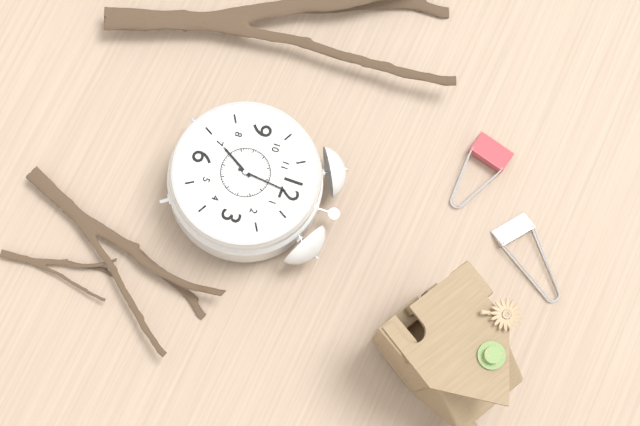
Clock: 7 h 01 min
